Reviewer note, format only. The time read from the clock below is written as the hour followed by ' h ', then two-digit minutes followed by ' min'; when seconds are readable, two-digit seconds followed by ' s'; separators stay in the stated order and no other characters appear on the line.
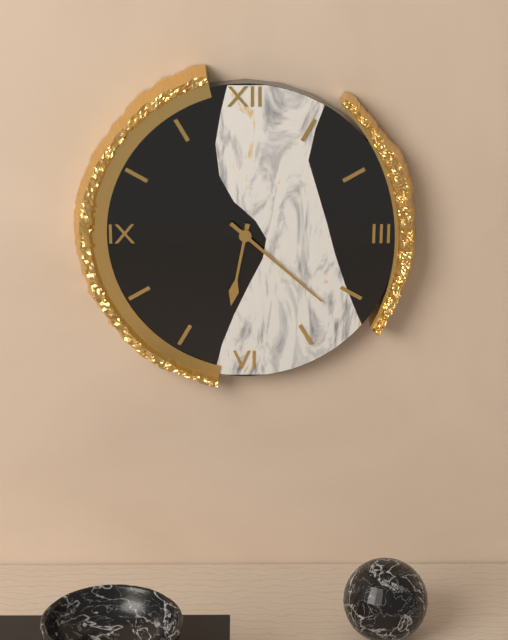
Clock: 6 h 22 min
